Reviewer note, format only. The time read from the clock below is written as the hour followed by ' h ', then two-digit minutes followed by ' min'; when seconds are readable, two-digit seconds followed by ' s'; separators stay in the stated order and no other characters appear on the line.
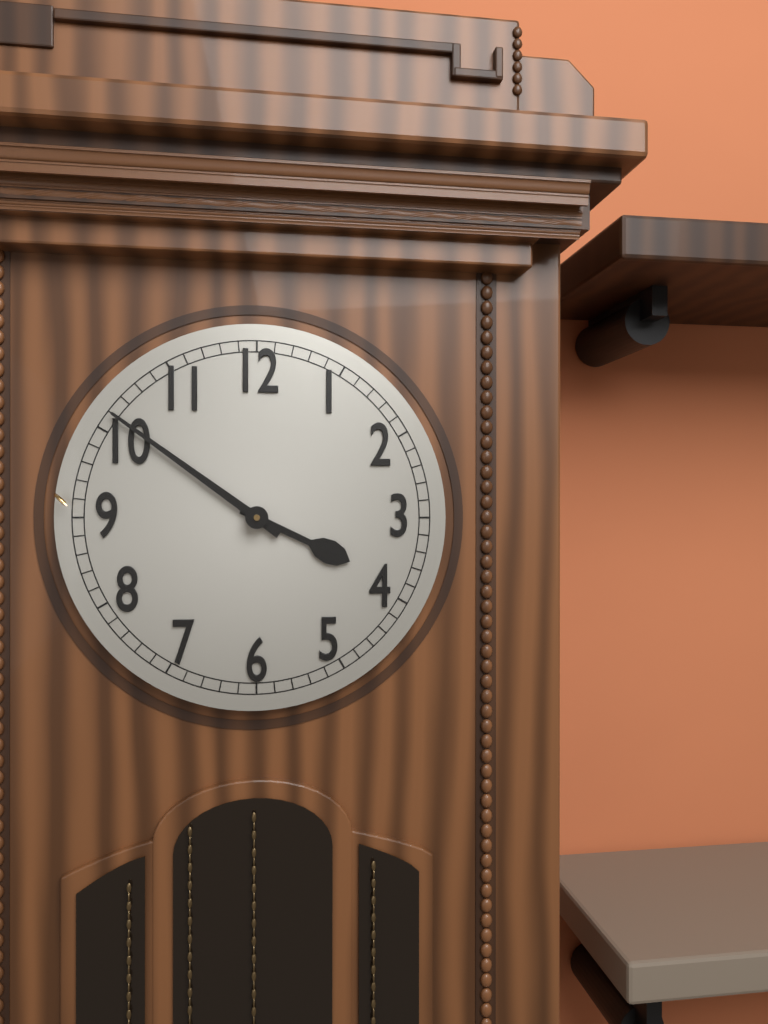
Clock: 3 h 51 min
